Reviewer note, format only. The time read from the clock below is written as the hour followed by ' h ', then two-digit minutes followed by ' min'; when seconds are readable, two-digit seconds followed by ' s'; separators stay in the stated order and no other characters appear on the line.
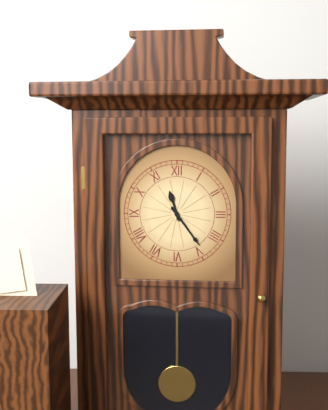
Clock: 11 h 24 min
